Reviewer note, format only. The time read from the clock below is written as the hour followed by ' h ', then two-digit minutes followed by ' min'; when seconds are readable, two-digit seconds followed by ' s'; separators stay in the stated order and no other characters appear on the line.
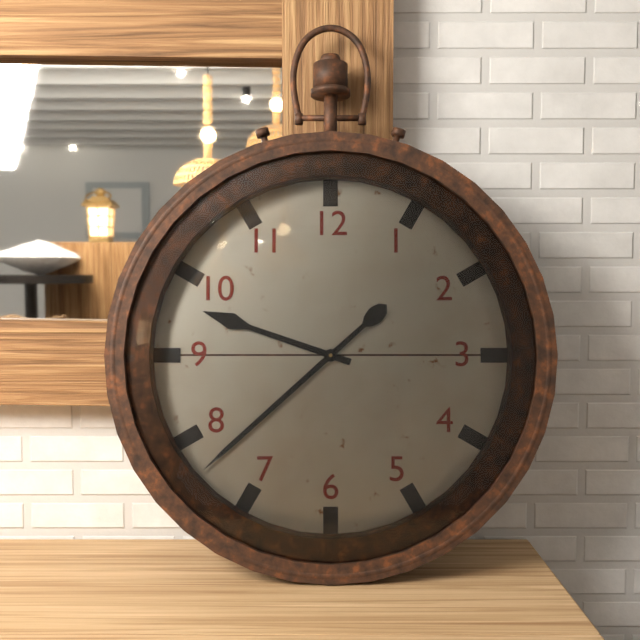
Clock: 9 h 38 min
